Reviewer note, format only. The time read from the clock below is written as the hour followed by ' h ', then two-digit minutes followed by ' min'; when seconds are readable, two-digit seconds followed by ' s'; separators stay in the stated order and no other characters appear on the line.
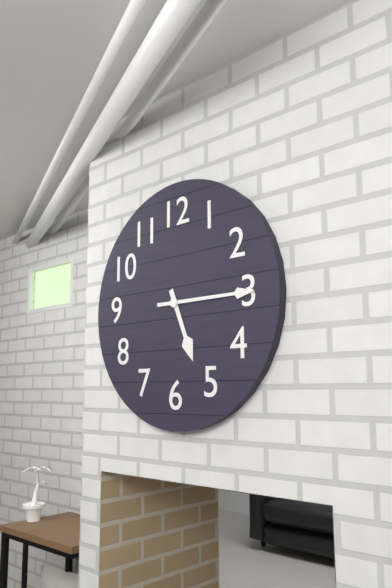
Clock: 5 h 15 min
